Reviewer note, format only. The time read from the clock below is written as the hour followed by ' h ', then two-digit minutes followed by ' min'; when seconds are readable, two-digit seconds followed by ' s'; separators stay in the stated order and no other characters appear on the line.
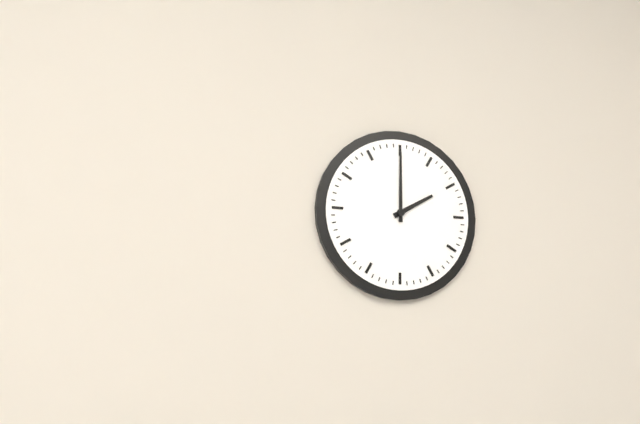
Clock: 2 h 00 min
